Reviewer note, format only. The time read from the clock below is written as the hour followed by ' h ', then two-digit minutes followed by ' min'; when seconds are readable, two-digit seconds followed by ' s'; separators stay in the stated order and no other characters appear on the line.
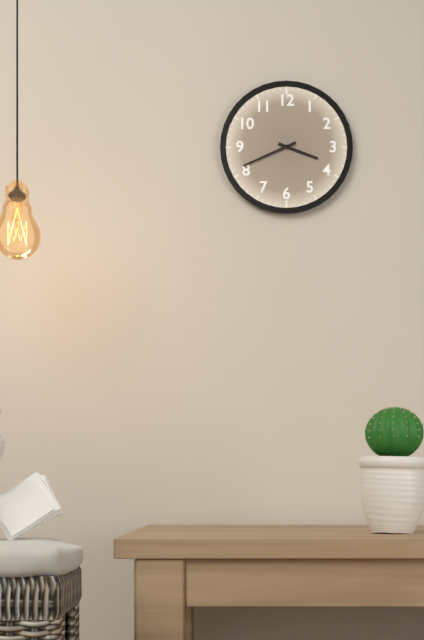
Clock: 3 h 41 min
